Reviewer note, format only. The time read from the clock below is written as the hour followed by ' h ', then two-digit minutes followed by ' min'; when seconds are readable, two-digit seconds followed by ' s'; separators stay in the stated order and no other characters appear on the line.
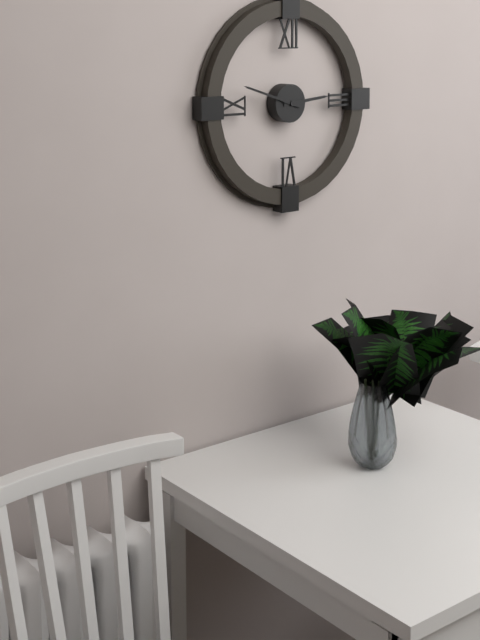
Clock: 2 h 48 min
